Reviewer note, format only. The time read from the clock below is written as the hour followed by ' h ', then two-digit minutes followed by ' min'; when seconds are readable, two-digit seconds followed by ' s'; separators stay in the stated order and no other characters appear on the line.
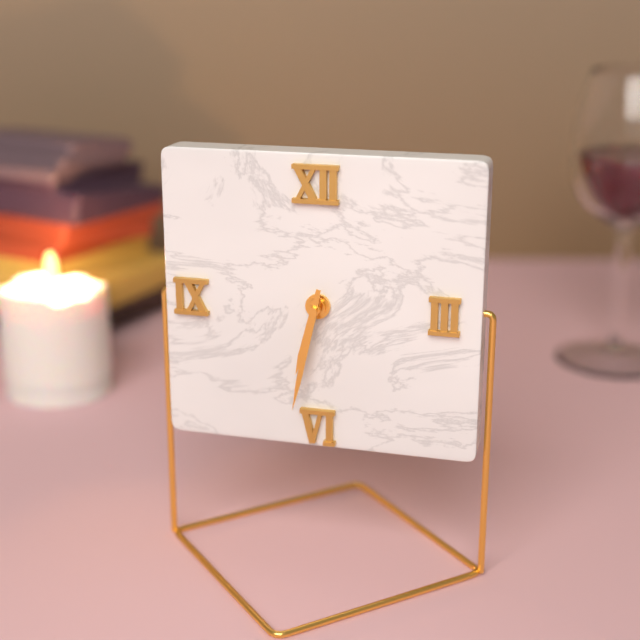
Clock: 6 h 32 min
